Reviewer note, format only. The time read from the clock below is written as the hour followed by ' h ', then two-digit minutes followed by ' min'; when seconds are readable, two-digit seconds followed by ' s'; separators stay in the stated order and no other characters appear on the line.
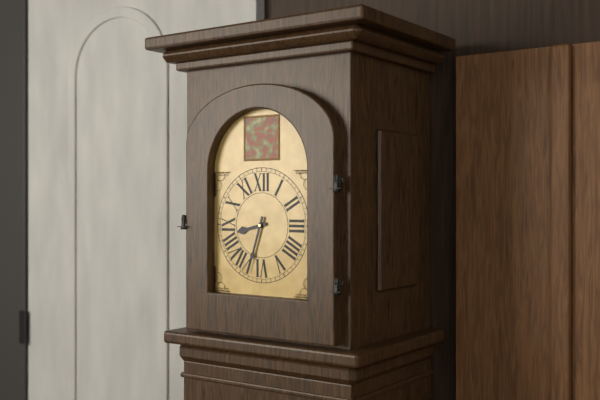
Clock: 8 h 33 min
